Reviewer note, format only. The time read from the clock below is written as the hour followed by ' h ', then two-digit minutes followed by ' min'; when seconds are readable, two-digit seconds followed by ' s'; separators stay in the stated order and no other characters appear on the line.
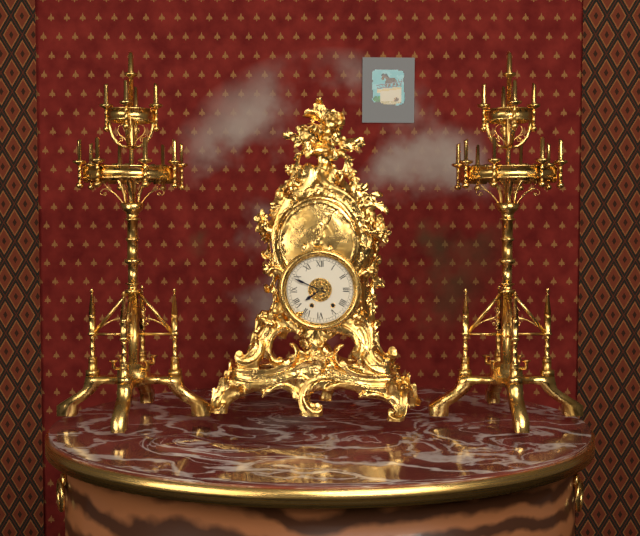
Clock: 7 h 49 min
